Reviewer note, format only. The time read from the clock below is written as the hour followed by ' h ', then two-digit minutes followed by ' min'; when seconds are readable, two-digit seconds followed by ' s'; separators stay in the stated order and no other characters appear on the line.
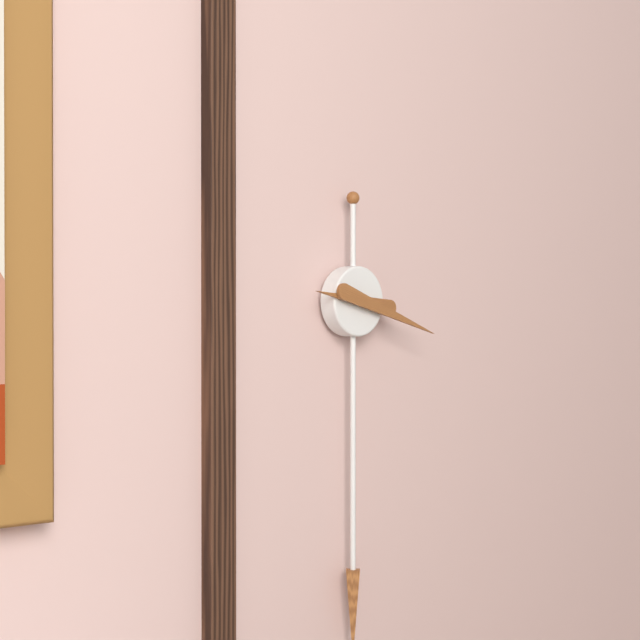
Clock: 9 h 18 min
